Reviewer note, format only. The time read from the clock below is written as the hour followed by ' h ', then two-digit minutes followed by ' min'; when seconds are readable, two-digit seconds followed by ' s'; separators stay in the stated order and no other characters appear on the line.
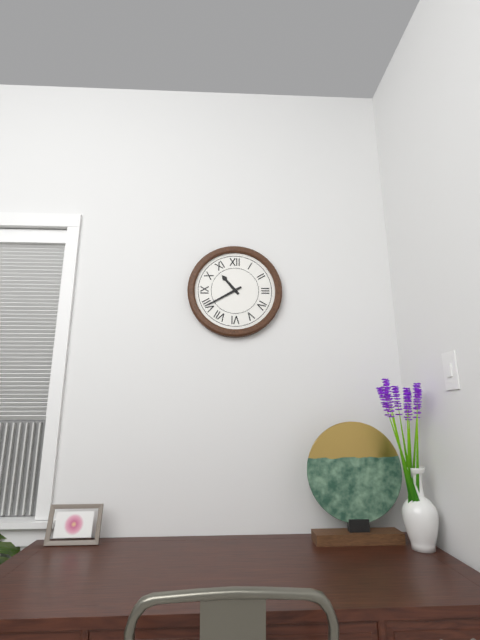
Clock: 10 h 40 min
